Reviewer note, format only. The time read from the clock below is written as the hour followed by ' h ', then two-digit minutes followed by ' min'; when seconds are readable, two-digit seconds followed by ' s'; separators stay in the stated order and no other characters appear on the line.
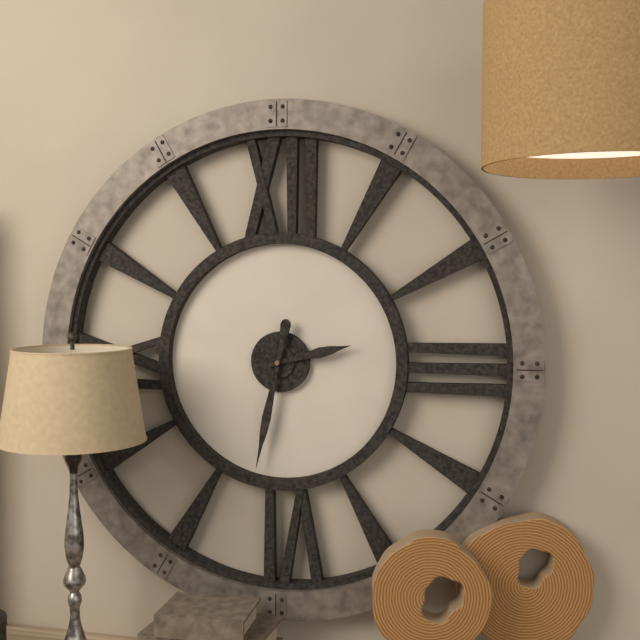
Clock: 2 h 32 min
